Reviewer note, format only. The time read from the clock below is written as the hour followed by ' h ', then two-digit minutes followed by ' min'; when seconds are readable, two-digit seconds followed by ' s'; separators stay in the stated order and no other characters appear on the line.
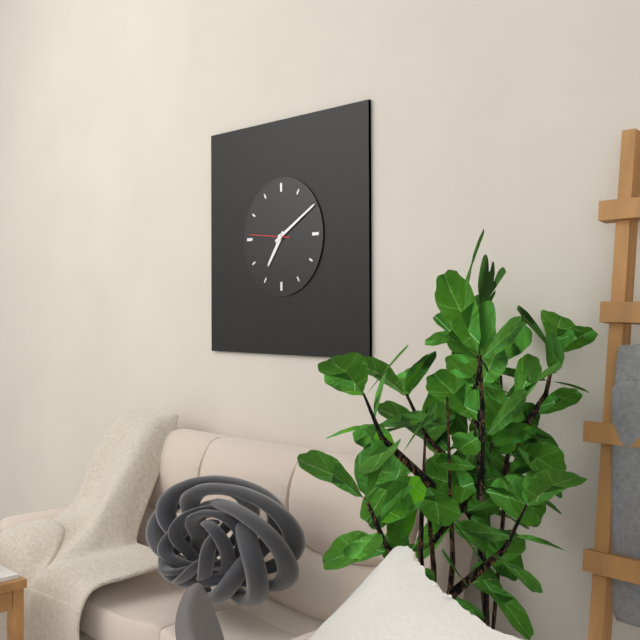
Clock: 7 h 10 min
